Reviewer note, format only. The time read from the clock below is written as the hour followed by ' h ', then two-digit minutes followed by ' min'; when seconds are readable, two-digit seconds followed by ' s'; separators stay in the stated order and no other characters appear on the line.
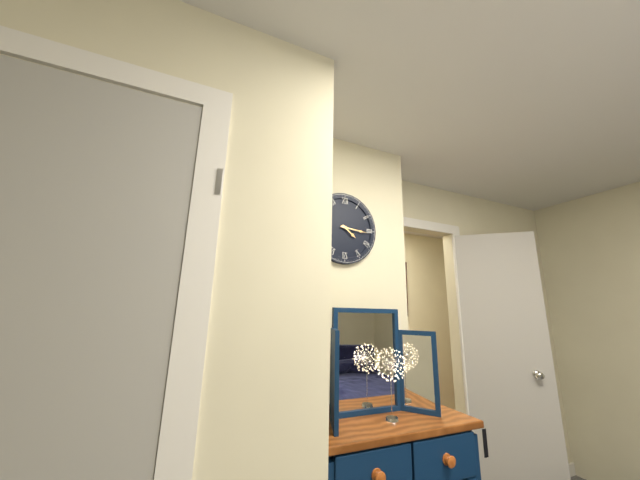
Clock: 4 h 16 min
